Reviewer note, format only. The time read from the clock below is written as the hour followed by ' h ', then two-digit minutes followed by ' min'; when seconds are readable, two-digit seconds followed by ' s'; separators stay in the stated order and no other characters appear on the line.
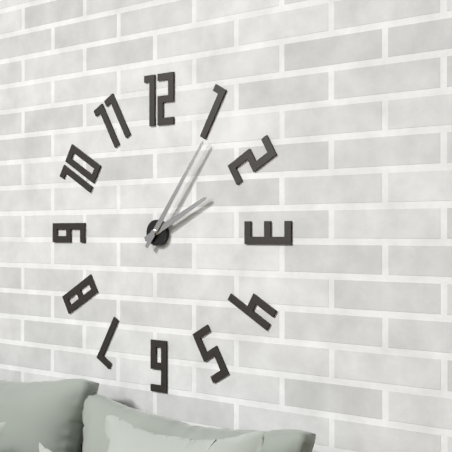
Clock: 2 h 06 min
